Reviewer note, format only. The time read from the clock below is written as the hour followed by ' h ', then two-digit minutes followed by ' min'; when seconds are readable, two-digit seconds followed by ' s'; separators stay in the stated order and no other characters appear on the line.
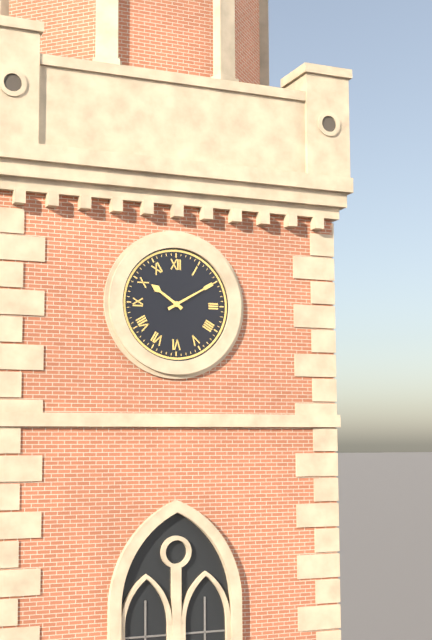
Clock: 10 h 10 min
